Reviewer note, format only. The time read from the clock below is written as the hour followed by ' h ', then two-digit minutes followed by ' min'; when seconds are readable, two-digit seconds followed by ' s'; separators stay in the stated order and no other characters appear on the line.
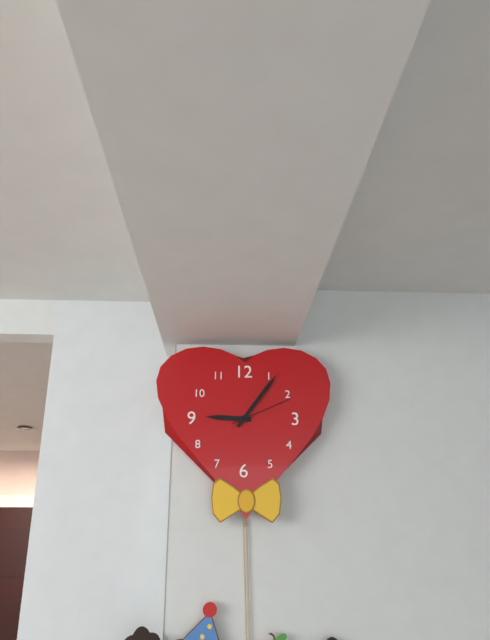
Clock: 9 h 06 min 11 s
